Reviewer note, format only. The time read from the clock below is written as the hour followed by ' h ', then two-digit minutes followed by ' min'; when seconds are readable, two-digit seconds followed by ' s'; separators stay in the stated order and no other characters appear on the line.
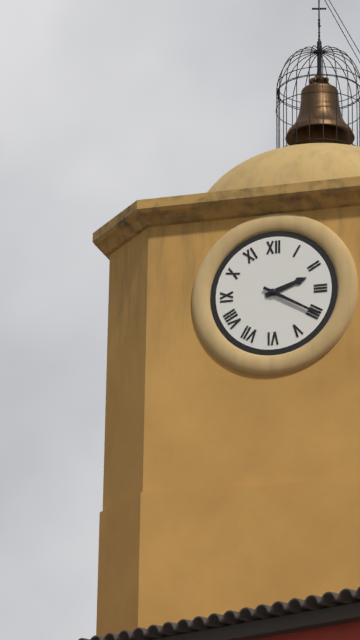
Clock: 2 h 20 min
